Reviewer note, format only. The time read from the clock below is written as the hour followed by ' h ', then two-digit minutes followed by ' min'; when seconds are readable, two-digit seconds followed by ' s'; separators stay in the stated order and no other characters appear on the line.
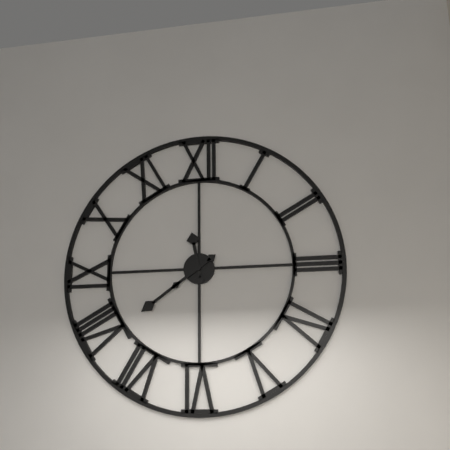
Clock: 11 h 39 min
